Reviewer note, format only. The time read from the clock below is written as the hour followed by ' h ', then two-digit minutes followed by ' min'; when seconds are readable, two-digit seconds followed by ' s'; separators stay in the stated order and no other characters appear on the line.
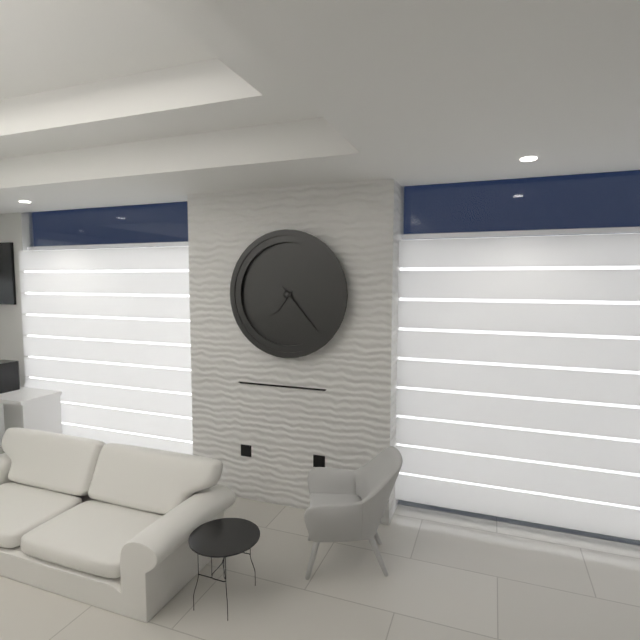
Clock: 7 h 23 min
